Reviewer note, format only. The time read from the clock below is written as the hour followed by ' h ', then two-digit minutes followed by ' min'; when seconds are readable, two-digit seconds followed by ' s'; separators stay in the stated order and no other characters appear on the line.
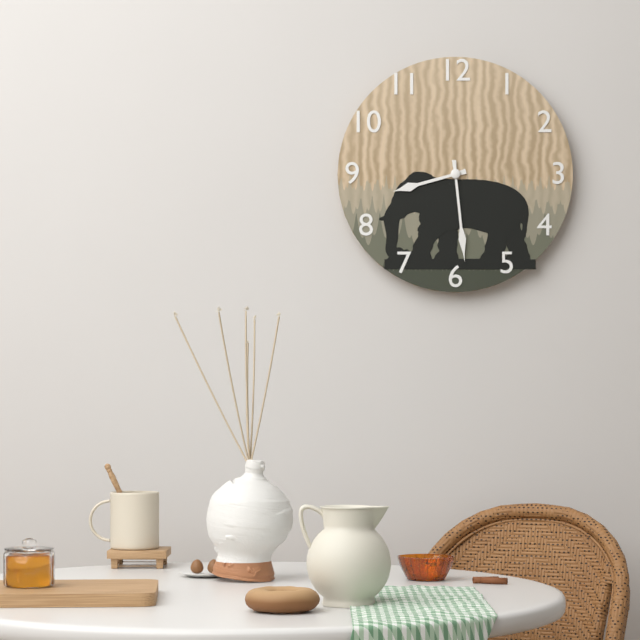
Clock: 8 h 29 min
